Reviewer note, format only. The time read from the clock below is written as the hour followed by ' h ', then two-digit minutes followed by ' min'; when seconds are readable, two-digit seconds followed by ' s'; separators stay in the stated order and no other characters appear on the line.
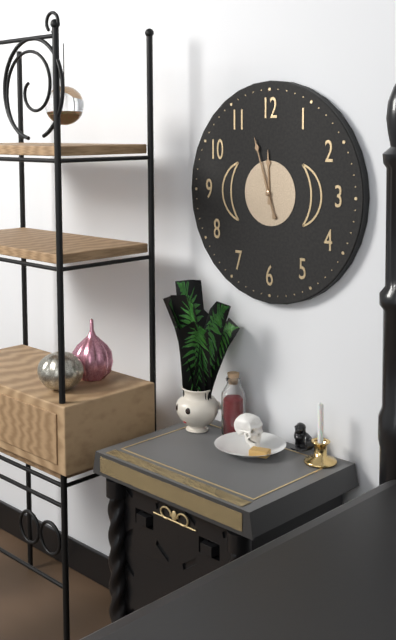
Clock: 11 h 57 min
